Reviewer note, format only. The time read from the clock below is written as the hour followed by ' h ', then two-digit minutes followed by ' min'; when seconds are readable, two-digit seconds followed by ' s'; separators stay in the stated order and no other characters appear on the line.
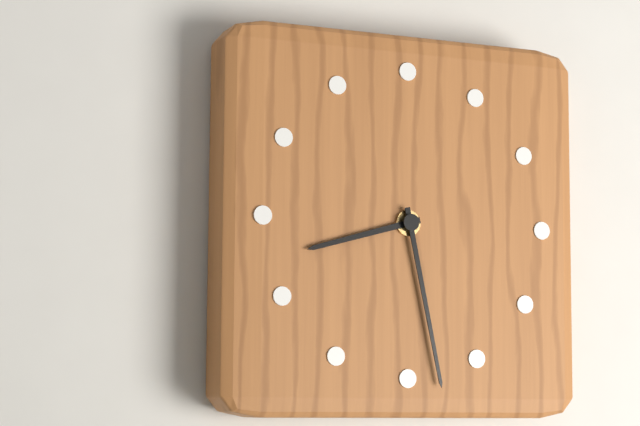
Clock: 8 h 28 min
